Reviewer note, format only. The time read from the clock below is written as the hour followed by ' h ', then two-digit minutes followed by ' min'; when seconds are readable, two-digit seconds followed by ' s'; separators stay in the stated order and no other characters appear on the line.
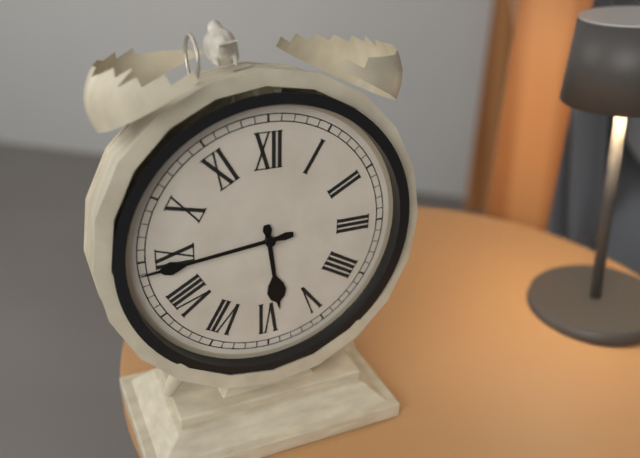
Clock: 5 h 44 min
